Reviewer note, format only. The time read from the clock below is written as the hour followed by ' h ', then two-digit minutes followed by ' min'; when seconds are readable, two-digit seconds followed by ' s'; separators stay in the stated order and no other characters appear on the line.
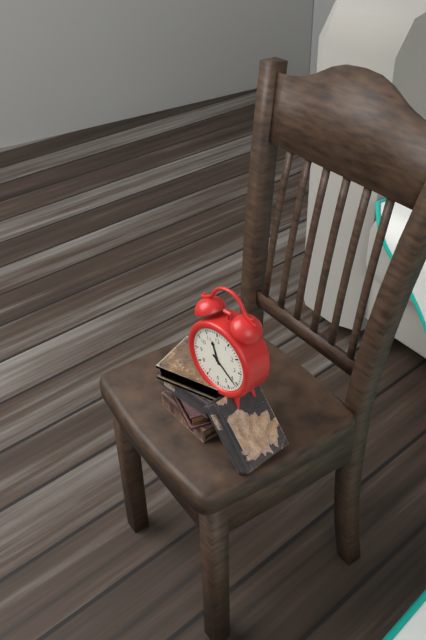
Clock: 11 h 21 min
